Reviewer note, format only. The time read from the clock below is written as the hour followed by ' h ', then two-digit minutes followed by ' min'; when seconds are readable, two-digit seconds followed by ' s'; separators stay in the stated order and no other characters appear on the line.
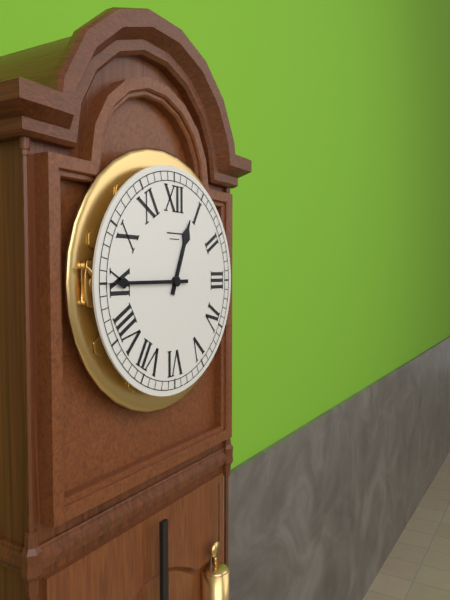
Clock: 12 h 45 min
